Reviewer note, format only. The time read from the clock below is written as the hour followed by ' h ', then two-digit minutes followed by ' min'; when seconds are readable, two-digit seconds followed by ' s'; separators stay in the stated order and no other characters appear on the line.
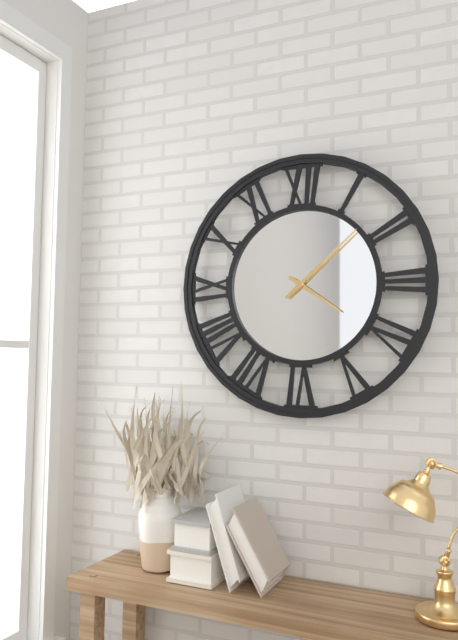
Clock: 4 h 08 min
